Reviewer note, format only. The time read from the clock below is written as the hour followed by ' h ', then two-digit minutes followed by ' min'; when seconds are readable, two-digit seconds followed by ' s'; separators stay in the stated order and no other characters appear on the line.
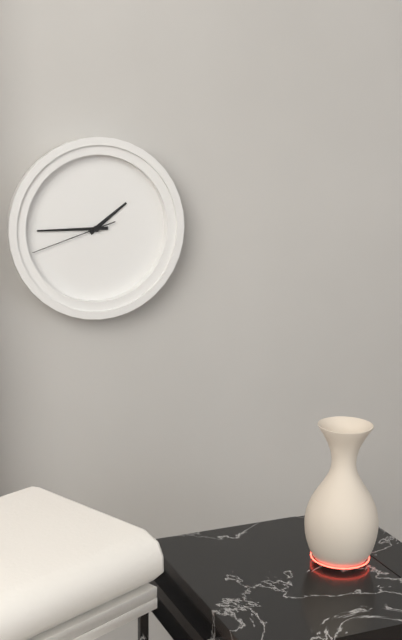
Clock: 1 h 45 min 42 s
